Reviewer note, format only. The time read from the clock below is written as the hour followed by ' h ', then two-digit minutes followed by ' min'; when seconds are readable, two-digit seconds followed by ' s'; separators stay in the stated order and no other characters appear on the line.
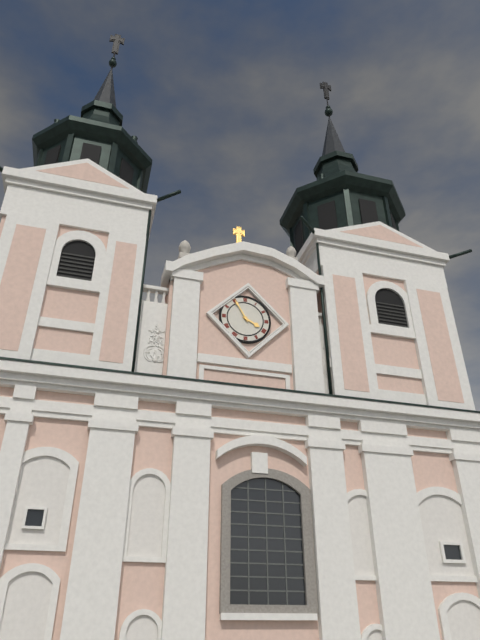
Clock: 3 h 55 min
